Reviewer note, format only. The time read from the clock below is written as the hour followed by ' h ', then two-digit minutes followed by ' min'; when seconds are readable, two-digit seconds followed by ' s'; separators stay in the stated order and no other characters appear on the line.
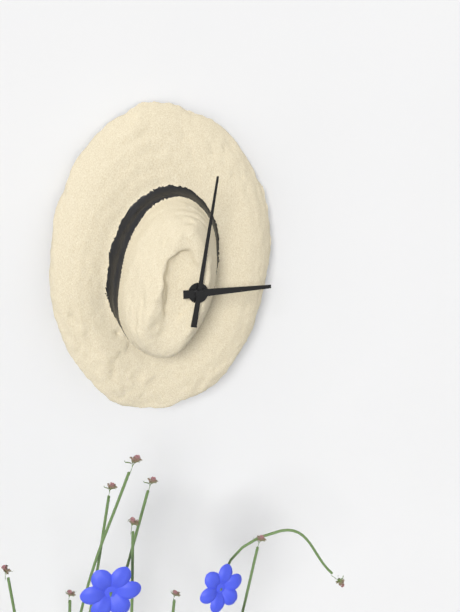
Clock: 3 h 02 min
